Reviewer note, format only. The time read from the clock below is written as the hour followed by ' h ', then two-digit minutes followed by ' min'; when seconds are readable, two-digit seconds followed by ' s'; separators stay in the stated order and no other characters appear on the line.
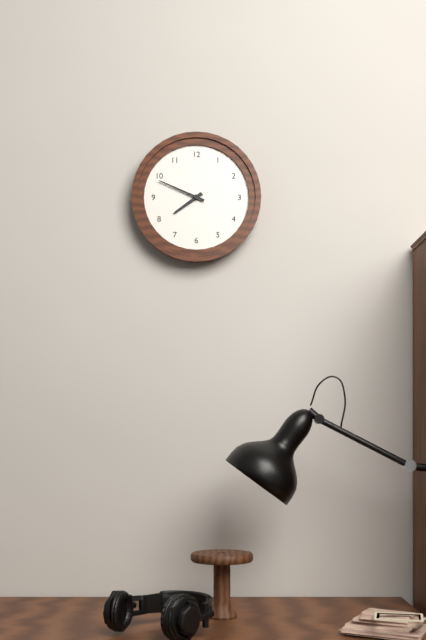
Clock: 7 h 49 min
